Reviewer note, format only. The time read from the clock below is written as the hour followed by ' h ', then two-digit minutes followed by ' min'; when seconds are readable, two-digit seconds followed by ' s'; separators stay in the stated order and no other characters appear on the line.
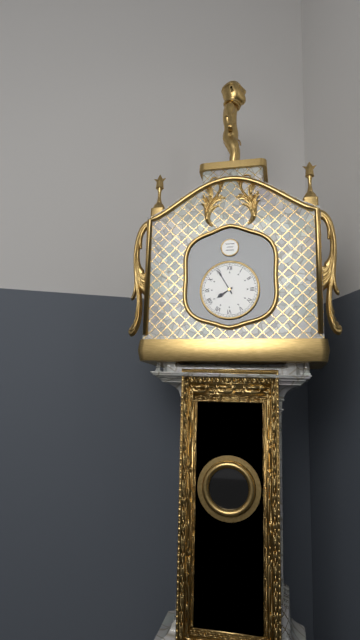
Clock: 7 h 55 min
